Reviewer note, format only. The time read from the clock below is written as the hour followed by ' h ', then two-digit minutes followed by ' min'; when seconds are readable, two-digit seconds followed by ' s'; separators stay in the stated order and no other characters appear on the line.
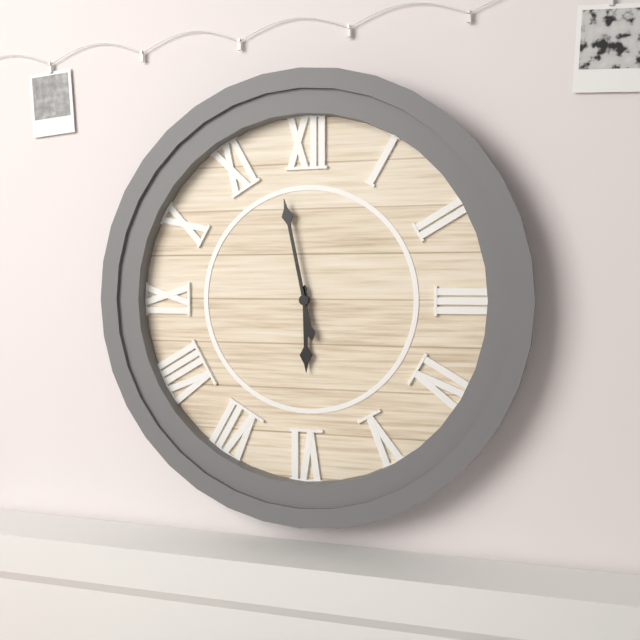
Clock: 5 h 58 min
